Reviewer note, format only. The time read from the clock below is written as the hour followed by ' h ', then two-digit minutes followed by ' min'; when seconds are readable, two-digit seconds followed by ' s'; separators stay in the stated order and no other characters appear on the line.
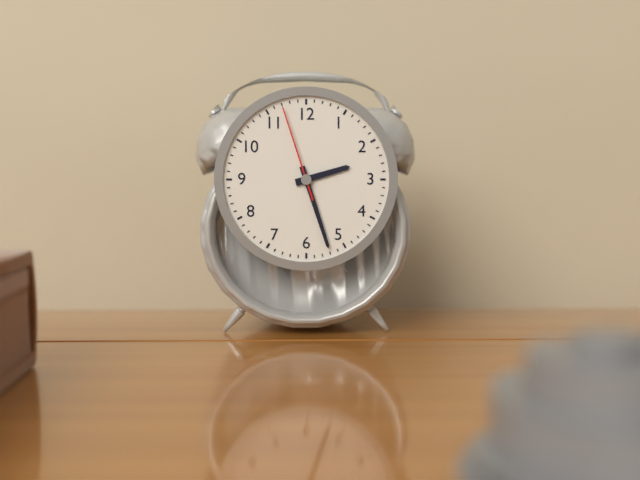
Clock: 2 h 27 min 57 s
